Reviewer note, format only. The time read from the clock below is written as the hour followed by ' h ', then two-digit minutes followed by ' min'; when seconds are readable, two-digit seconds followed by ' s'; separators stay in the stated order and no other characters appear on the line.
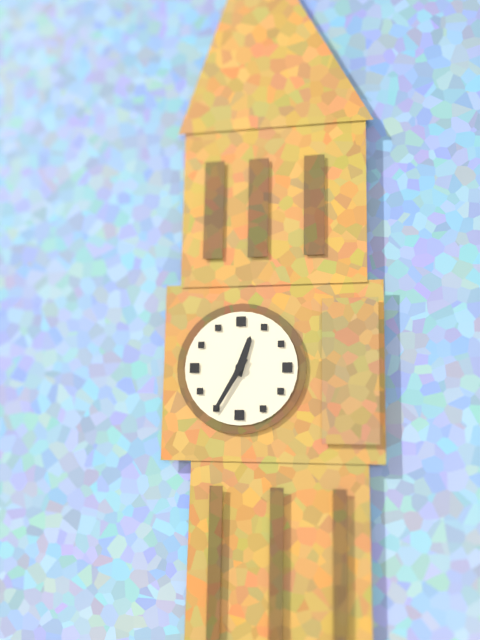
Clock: 12 h 35 min
